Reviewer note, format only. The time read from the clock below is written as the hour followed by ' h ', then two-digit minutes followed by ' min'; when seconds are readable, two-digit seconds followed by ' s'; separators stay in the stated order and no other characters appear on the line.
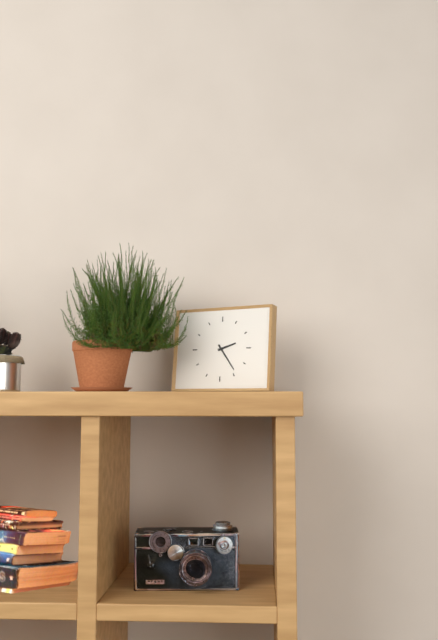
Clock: 2 h 24 min
